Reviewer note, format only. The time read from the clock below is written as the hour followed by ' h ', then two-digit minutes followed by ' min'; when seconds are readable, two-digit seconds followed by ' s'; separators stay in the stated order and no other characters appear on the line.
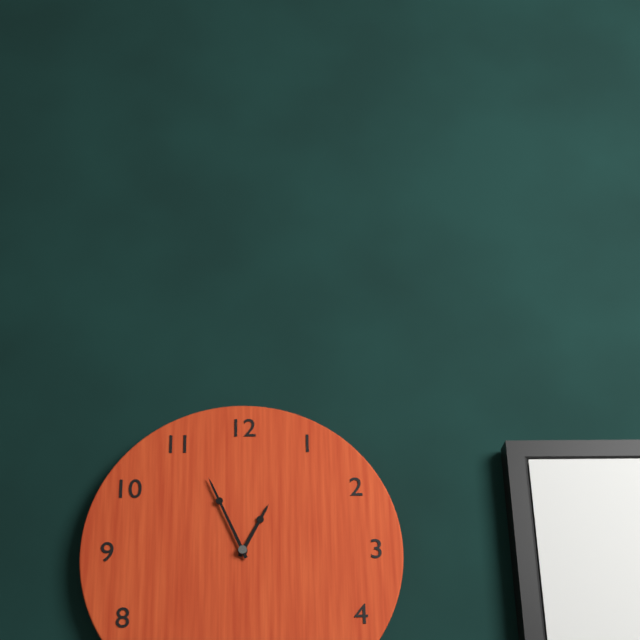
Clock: 12 h 56 min
